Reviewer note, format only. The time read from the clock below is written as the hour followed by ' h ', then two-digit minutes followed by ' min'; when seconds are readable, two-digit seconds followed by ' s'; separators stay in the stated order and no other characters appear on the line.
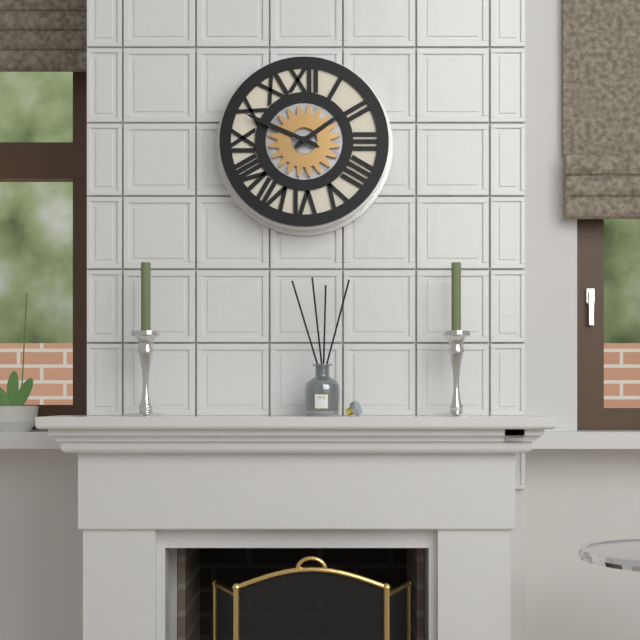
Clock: 1 h 49 min
